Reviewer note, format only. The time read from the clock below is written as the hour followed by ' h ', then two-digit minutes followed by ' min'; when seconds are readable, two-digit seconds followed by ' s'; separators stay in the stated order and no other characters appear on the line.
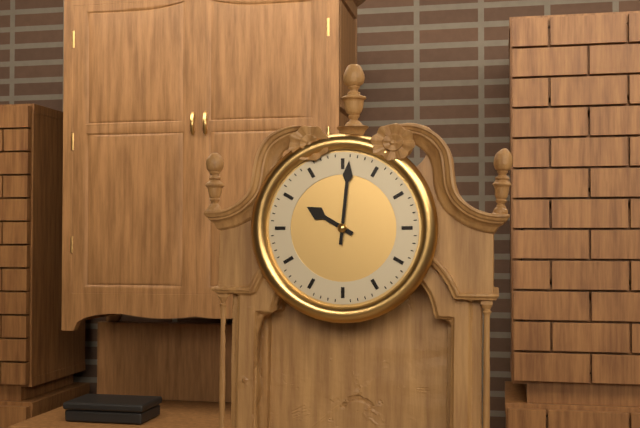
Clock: 10 h 01 min
